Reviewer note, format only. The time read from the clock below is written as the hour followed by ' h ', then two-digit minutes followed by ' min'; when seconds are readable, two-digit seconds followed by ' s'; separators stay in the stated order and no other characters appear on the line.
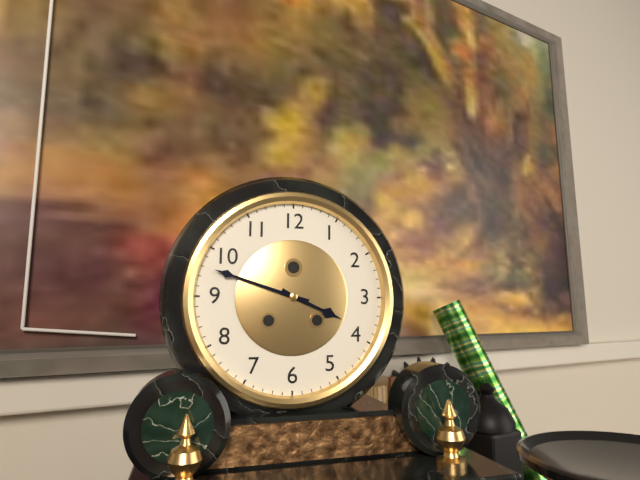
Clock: 3 h 48 min
